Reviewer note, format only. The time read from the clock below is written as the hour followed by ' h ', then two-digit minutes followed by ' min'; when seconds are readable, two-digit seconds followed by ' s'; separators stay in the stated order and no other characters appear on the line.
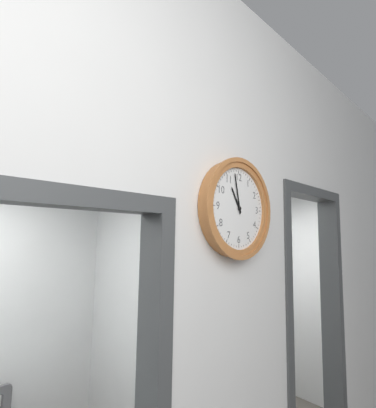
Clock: 10 h 58 min
